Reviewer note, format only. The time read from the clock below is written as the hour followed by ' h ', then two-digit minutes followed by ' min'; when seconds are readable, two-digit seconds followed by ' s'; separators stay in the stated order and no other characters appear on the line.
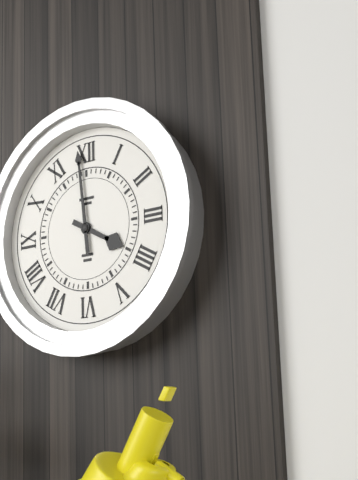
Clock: 3 h 59 min
